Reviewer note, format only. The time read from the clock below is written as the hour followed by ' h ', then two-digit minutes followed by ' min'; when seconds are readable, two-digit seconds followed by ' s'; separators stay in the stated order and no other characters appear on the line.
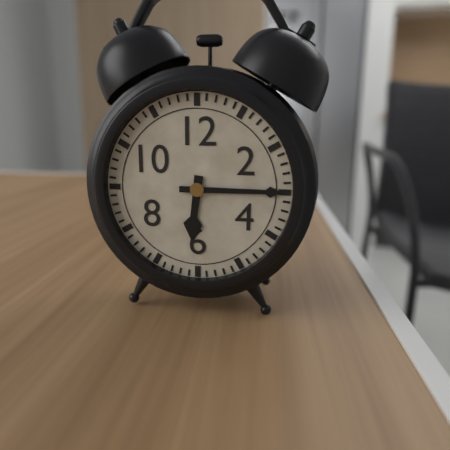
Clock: 6 h 15 min
